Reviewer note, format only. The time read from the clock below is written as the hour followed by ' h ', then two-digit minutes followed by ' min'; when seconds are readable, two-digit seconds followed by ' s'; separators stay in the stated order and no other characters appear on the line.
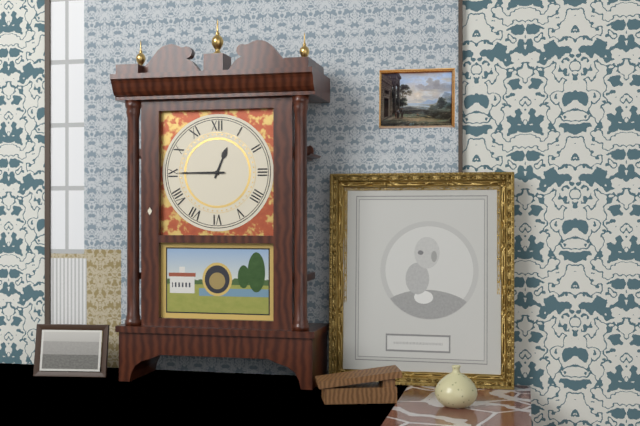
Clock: 12 h 45 min
